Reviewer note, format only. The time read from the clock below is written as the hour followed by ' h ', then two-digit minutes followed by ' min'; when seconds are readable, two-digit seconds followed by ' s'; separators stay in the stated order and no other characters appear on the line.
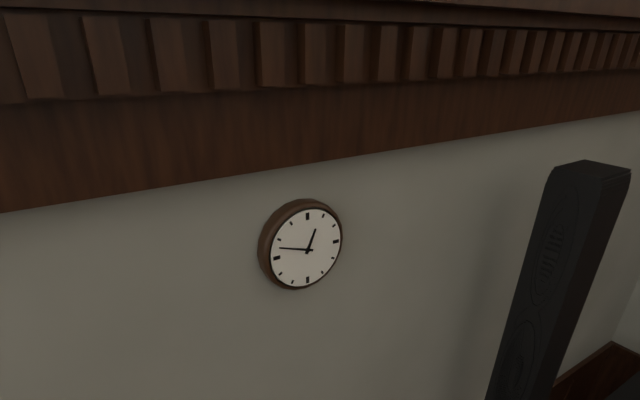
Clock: 12 h 48 min
